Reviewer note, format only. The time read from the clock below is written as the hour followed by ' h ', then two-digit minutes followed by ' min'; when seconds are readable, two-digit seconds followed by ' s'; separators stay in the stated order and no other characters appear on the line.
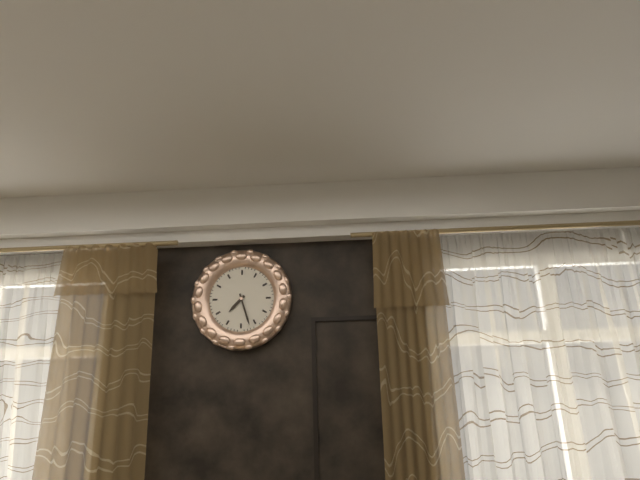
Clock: 7 h 27 min
